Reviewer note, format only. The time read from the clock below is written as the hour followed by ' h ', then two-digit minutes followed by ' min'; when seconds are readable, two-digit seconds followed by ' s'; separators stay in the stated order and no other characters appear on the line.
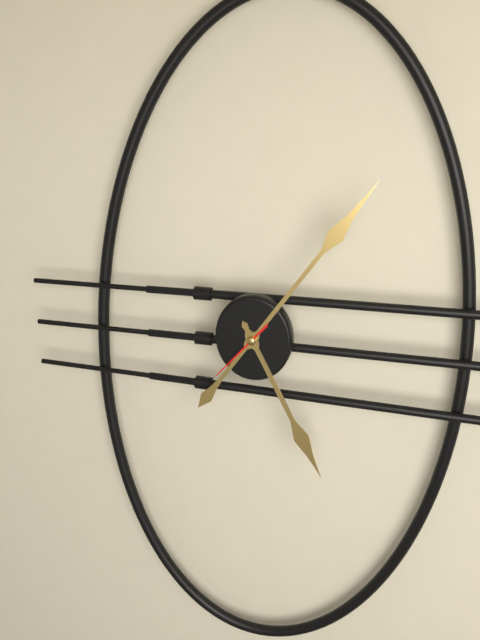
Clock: 5 h 06 min 37 s
